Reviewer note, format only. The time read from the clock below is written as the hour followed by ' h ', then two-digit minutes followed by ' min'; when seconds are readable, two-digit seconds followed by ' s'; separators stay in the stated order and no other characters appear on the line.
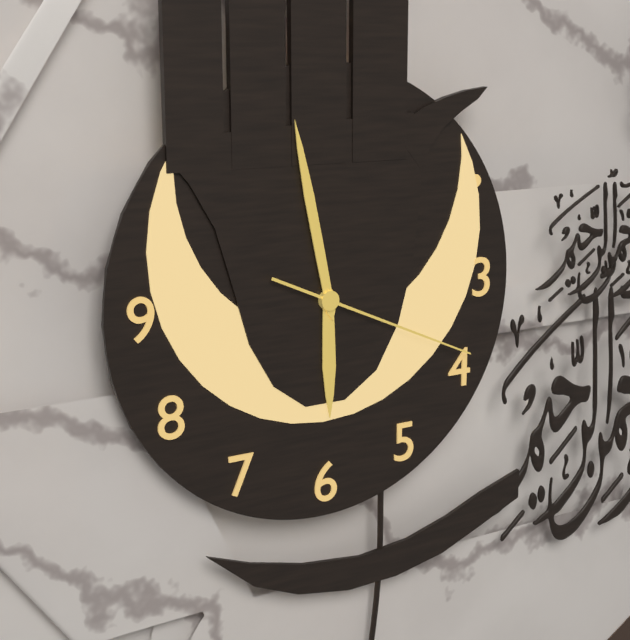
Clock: 5 h 58 min 19 s
